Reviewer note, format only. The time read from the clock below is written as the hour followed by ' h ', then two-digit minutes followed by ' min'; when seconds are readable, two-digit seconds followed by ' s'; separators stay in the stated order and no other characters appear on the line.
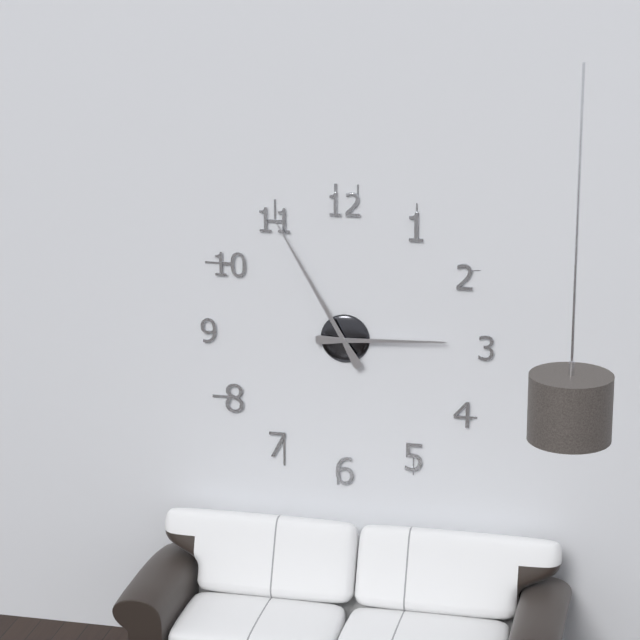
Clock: 2 h 55 min
